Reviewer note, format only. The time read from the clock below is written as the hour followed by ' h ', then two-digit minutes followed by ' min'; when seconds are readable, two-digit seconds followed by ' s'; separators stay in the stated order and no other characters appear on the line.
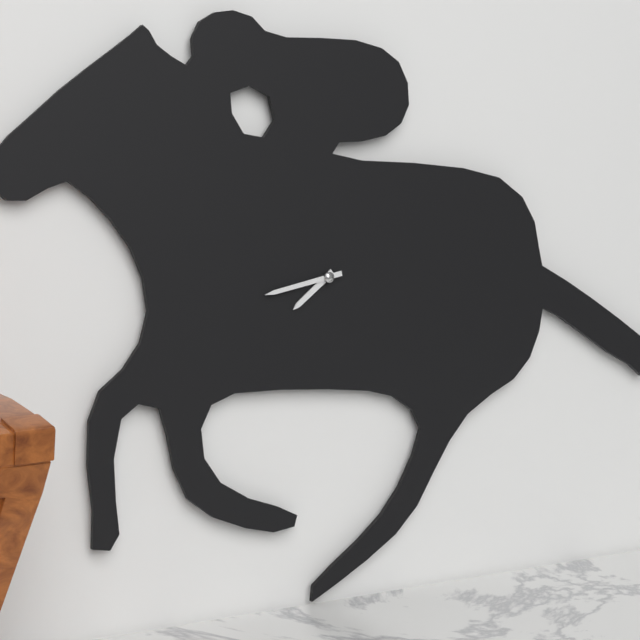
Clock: 7 h 43 min
